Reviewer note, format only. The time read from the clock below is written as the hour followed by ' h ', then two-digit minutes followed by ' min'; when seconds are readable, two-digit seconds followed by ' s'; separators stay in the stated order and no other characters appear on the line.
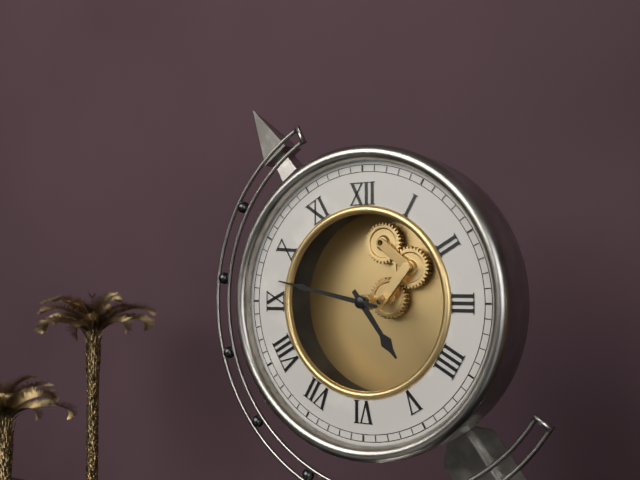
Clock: 4 h 47 min
